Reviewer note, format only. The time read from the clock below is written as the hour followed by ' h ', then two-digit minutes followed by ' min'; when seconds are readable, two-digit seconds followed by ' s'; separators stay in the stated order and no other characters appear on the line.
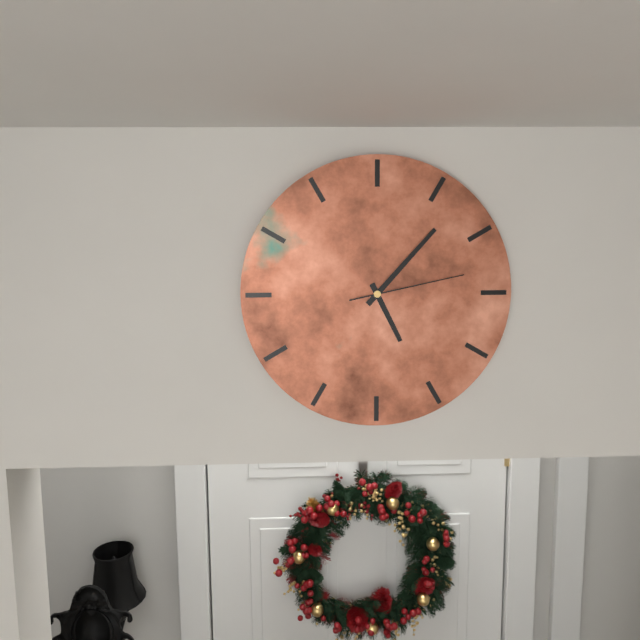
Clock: 5 h 07 min 13 s
